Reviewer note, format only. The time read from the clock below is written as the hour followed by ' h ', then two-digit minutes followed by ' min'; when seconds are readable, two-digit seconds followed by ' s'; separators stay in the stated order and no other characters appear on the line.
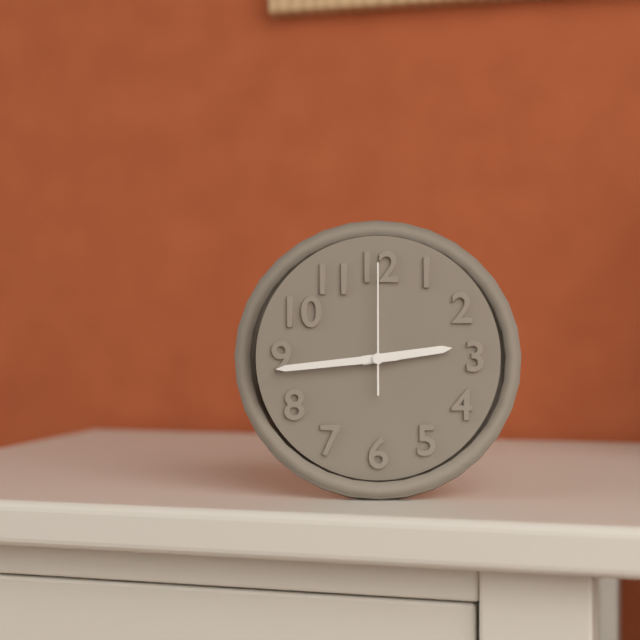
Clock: 2 h 44 min 00 s
